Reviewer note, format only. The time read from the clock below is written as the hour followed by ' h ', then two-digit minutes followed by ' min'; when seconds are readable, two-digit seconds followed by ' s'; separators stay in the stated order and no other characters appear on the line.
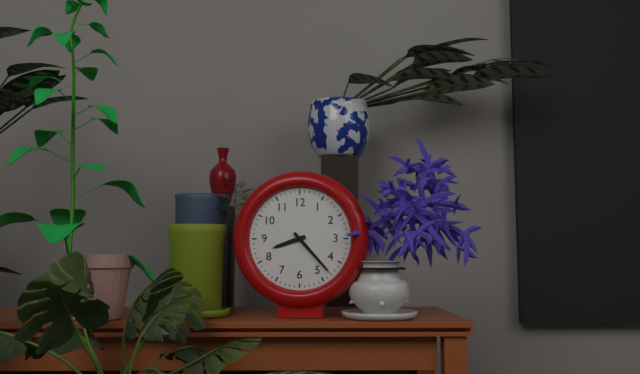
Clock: 8 h 23 min
